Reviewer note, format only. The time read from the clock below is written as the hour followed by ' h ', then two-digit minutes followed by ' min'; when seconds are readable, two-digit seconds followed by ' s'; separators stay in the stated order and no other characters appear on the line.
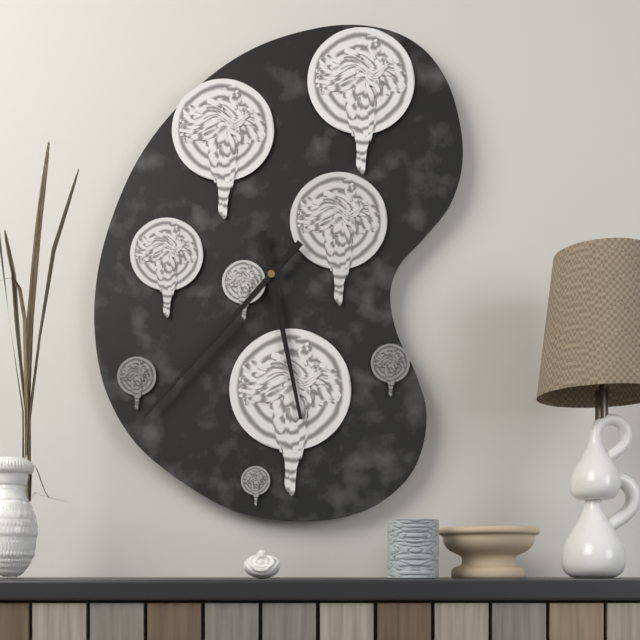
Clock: 5 h 37 min
